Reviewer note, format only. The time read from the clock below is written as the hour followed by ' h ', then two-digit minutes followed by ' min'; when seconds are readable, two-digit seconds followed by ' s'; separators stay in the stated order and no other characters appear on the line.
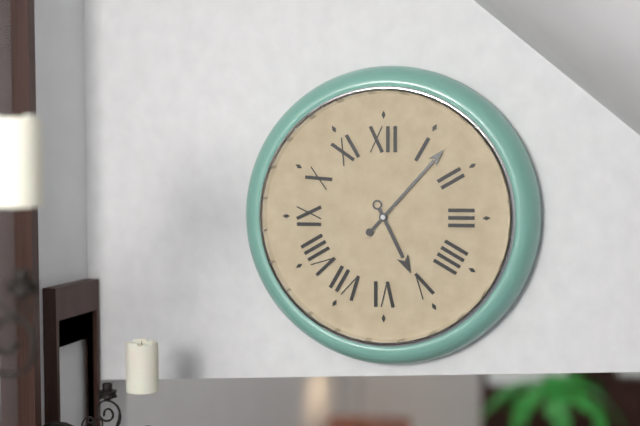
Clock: 5 h 07 min
